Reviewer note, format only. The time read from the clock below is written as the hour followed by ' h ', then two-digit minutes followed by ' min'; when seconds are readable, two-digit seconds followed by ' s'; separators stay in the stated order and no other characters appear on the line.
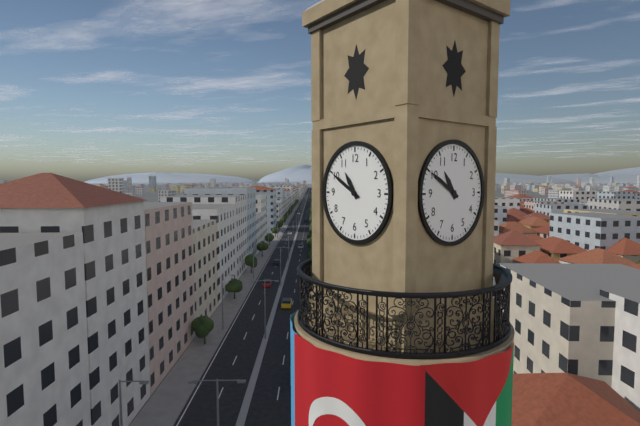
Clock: 10 h 50 min
